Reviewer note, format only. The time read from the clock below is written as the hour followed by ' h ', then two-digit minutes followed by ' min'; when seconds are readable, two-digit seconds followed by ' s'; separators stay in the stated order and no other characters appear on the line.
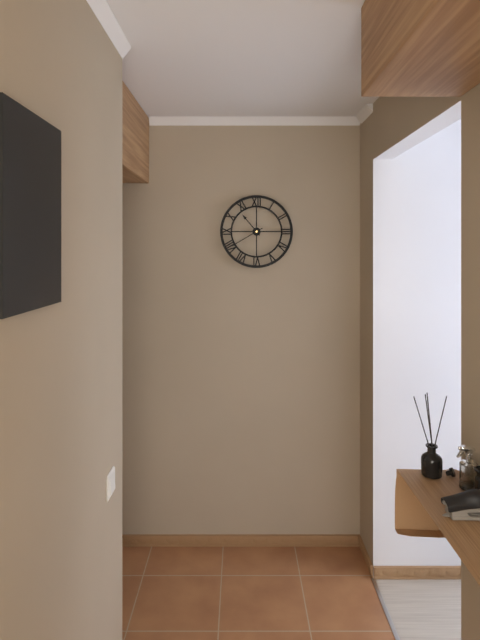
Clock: 10 h 40 min
